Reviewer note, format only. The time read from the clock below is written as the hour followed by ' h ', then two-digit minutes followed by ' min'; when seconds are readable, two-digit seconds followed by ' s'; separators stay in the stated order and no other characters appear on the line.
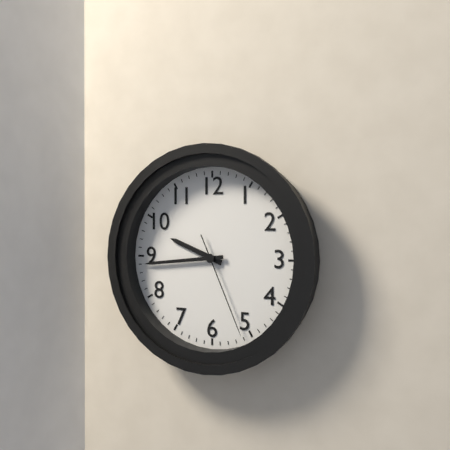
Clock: 9 h 44 min 26 s
